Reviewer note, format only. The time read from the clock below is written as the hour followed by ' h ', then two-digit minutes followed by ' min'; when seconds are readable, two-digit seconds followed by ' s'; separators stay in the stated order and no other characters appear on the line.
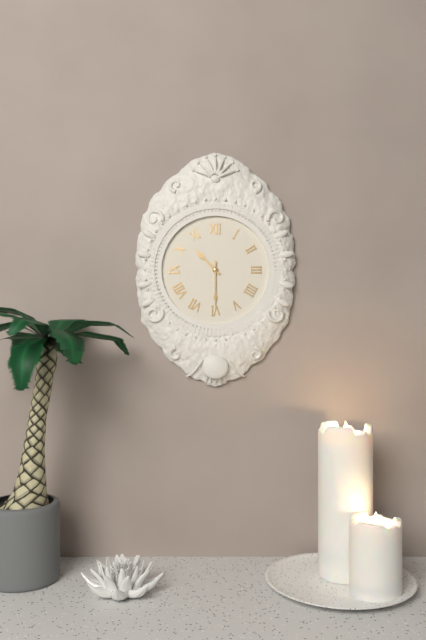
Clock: 10 h 30 min
